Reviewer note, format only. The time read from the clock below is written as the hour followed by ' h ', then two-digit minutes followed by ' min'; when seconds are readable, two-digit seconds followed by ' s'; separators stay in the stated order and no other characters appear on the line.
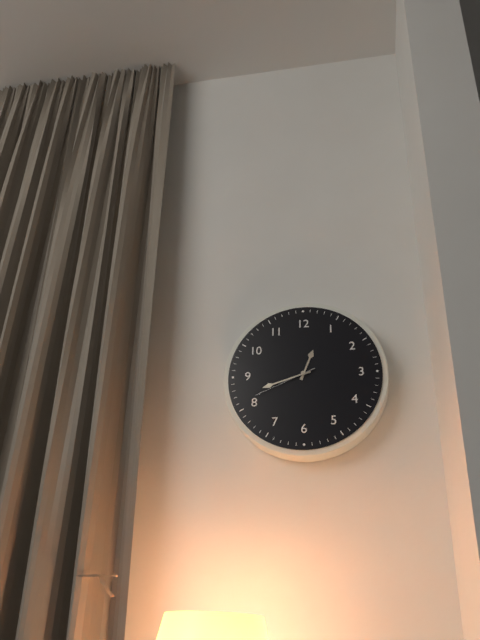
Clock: 12 h 42 min 41 s
